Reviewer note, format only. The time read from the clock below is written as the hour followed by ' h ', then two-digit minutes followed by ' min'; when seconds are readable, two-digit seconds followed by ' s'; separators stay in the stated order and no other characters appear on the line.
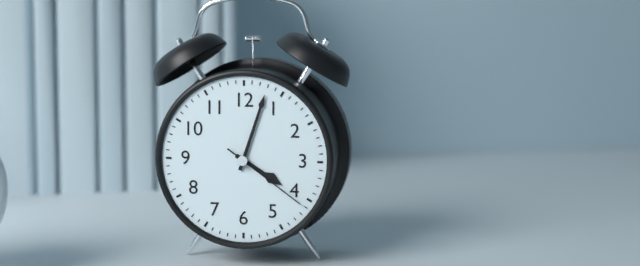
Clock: 4 h 03 min 21 s
